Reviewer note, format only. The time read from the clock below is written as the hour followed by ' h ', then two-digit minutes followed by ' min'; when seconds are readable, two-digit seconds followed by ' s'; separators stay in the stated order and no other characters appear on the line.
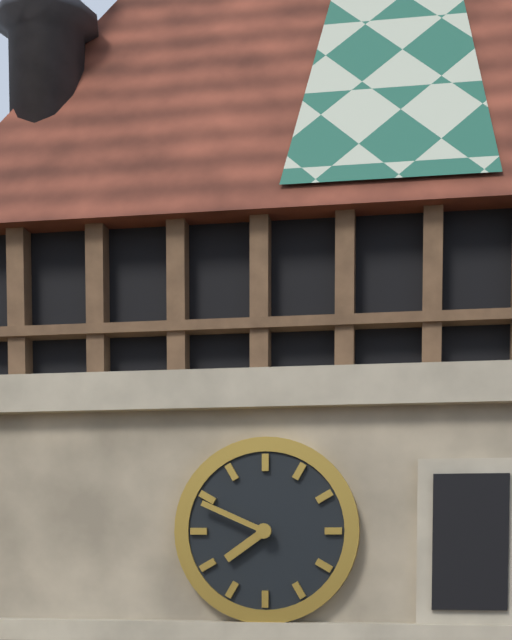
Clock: 7 h 49 min
